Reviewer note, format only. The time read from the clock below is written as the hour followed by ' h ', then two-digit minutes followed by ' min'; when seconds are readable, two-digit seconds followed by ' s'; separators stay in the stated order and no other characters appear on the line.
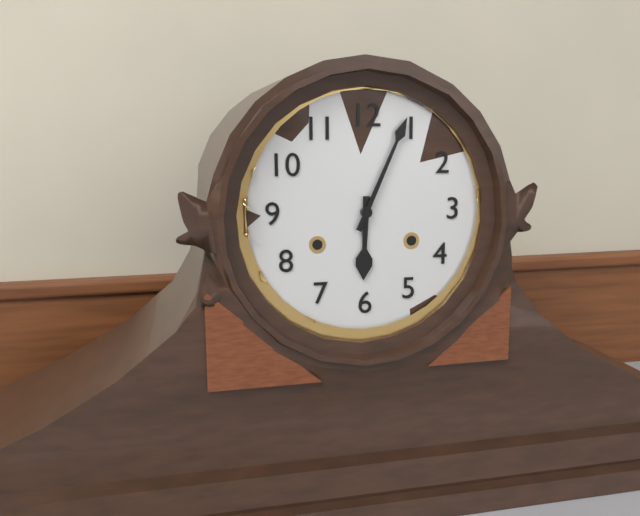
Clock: 6 h 04 min
